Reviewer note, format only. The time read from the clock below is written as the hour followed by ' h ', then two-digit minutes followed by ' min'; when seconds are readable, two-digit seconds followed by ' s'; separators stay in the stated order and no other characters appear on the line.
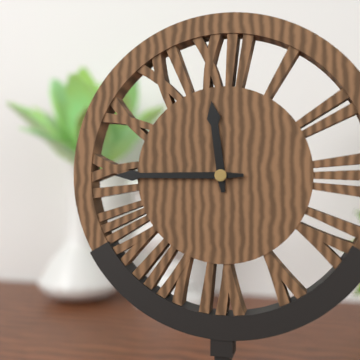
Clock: 11 h 45 min
